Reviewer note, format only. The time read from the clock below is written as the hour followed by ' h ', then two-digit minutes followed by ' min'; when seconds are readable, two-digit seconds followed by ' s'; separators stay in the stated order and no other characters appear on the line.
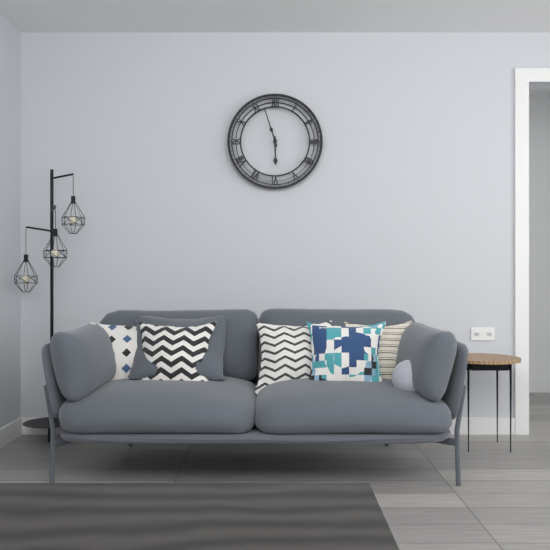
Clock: 5 h 57 min
